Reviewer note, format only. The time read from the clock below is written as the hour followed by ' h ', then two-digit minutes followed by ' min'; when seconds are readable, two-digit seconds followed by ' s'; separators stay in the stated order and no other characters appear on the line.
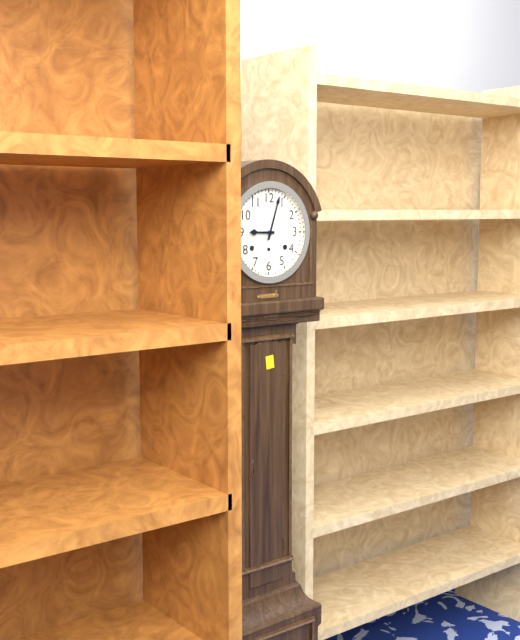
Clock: 9 h 03 min
